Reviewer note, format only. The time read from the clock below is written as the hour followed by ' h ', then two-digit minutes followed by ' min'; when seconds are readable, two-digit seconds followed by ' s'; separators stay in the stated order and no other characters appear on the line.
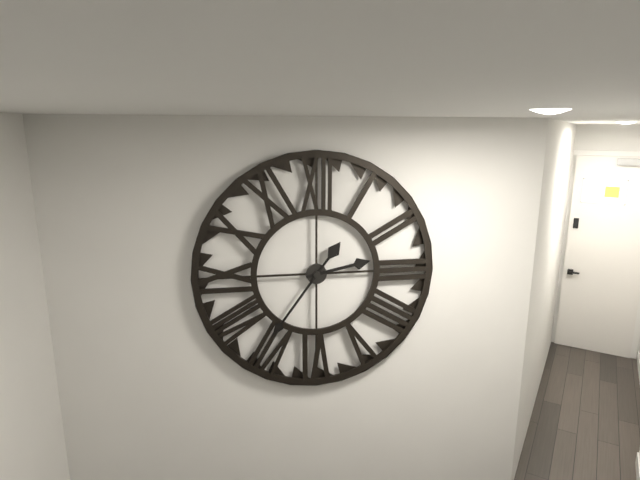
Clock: 2 h 36 min
